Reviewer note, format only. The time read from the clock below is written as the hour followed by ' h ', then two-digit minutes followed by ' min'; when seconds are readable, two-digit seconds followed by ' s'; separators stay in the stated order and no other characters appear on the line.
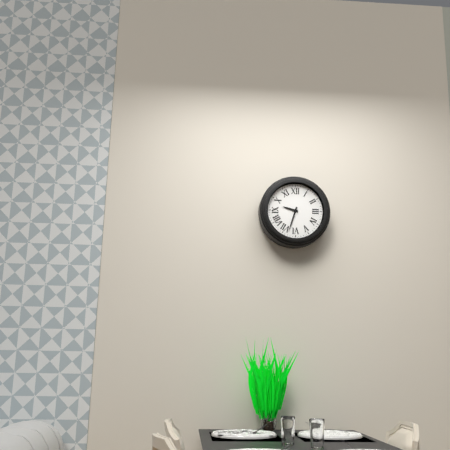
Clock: 9 h 33 min
